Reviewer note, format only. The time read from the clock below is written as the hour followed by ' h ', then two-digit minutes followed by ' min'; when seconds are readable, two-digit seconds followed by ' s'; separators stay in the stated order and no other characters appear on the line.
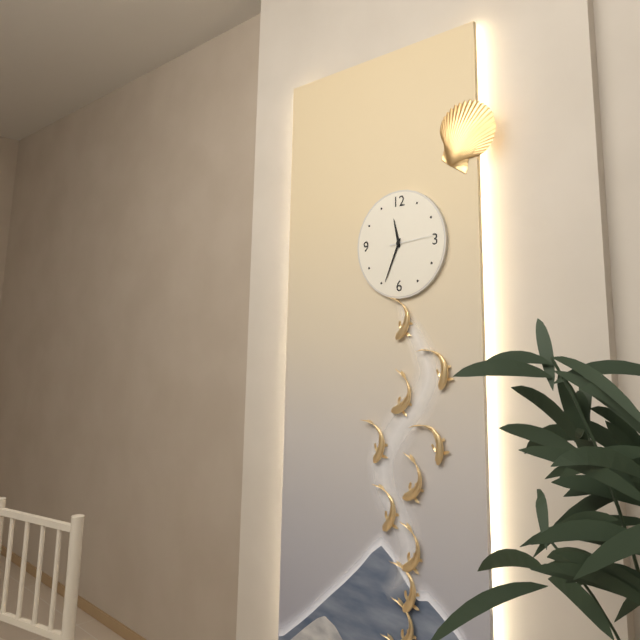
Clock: 11 h 34 min
